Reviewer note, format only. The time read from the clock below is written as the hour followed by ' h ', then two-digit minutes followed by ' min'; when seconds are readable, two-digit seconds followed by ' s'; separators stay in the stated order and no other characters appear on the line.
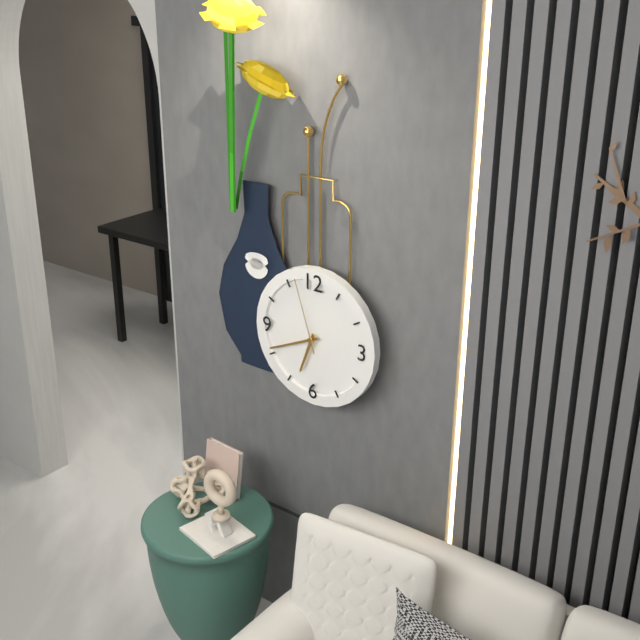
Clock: 6 h 41 min 57 s
